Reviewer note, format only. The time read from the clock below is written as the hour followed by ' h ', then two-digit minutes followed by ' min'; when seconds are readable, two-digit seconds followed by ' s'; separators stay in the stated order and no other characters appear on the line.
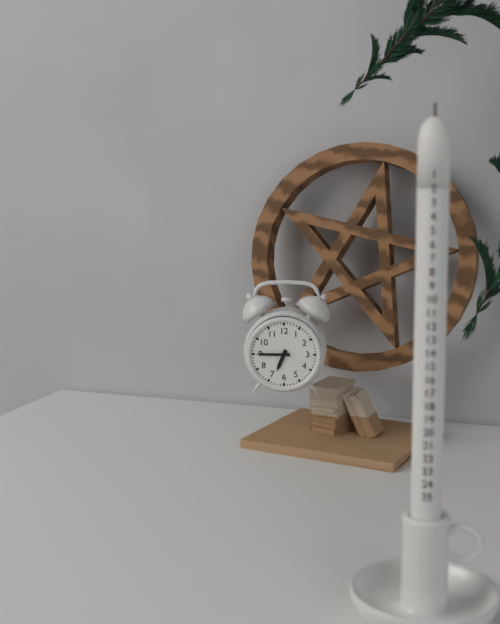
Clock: 6 h 45 min
